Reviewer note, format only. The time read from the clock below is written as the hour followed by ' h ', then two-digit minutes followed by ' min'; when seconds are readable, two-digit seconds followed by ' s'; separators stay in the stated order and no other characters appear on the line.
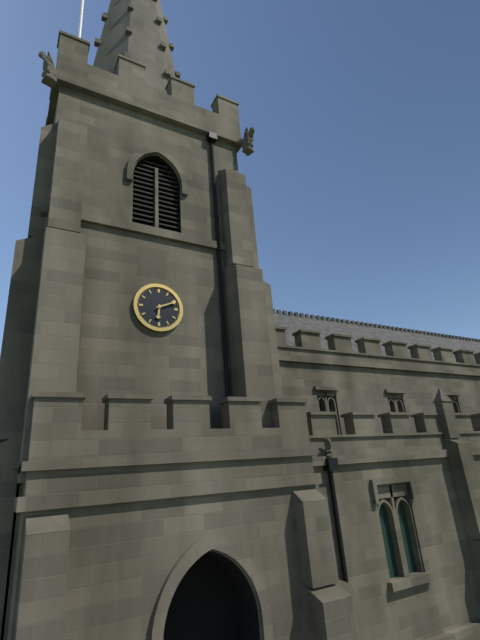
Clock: 6 h 11 min
